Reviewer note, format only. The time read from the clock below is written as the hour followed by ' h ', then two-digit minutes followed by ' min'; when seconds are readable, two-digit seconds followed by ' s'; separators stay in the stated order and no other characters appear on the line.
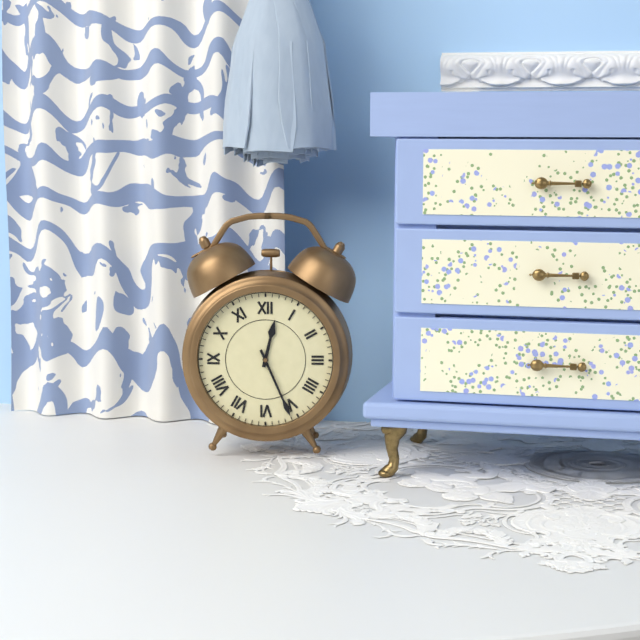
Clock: 12 h 26 min
